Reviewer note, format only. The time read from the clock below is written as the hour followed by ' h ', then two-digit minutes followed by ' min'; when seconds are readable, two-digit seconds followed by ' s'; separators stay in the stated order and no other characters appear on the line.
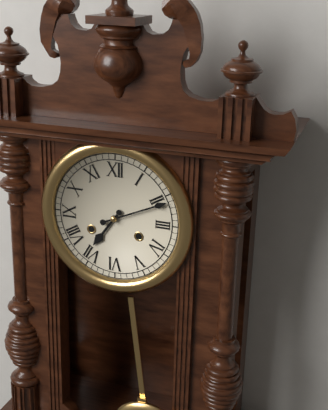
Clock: 7 h 11 min
